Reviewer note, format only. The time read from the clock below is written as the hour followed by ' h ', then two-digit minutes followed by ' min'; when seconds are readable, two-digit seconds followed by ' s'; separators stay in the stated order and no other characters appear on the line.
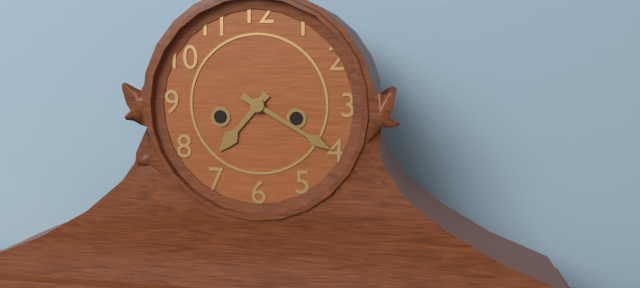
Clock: 7 h 20 min
